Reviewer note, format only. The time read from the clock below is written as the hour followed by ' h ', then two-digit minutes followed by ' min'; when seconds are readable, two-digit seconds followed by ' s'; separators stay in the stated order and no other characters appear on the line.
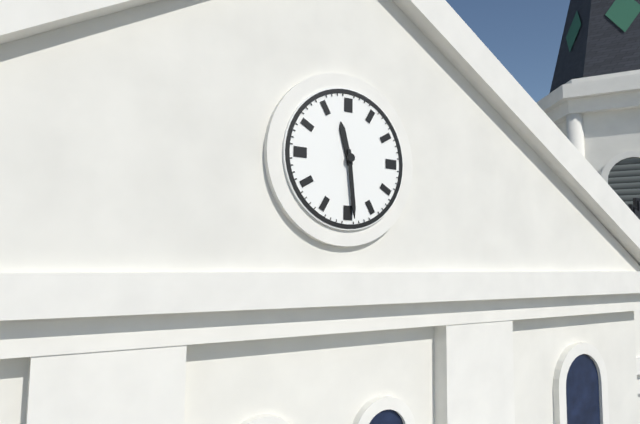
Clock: 11 h 29 min
